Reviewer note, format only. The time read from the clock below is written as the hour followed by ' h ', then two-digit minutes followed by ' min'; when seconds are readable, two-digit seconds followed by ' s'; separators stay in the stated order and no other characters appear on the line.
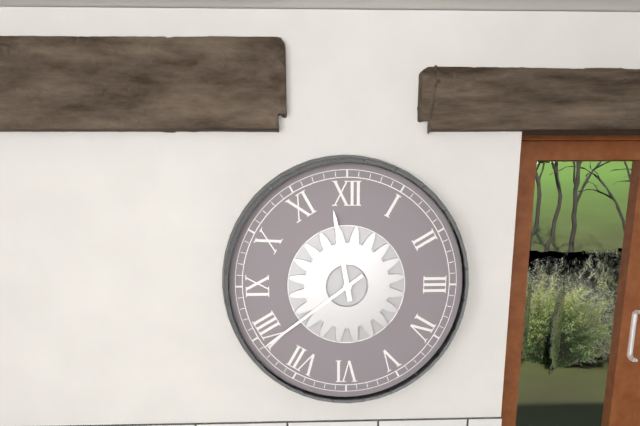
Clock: 11 h 39 min
